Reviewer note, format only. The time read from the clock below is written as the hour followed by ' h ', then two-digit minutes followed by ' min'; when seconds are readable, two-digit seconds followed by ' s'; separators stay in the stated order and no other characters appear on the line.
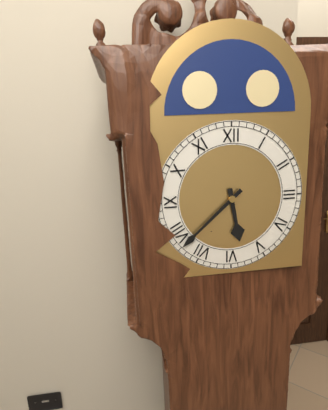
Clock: 5 h 38 min
